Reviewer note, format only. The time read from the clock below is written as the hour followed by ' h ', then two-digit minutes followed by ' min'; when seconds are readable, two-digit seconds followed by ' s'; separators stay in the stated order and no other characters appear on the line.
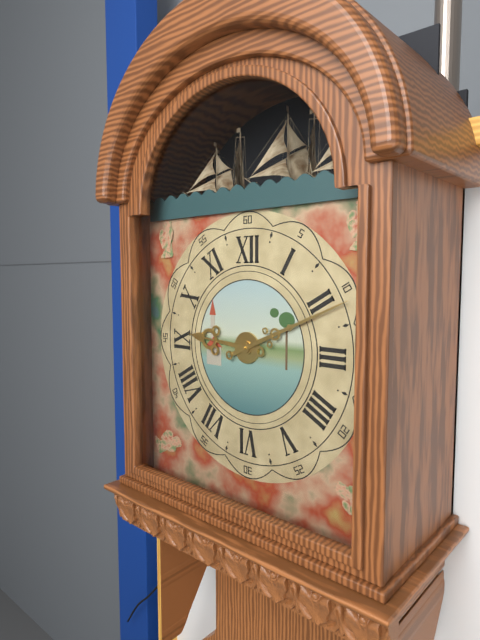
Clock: 9 h 11 min
